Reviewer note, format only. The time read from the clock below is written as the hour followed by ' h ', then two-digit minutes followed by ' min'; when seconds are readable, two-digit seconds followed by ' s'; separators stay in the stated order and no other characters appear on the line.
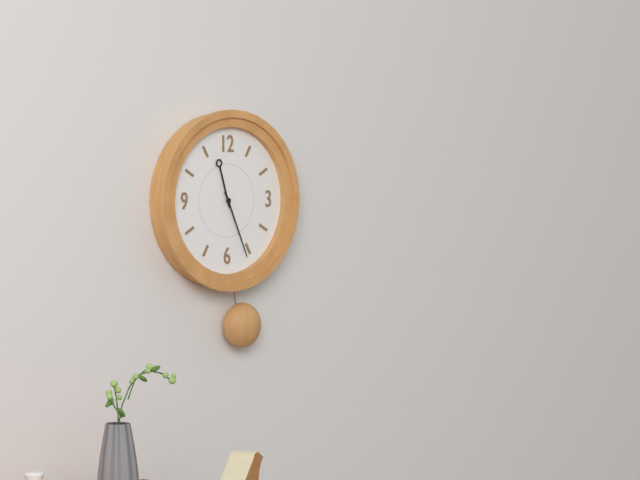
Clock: 11 h 26 min
